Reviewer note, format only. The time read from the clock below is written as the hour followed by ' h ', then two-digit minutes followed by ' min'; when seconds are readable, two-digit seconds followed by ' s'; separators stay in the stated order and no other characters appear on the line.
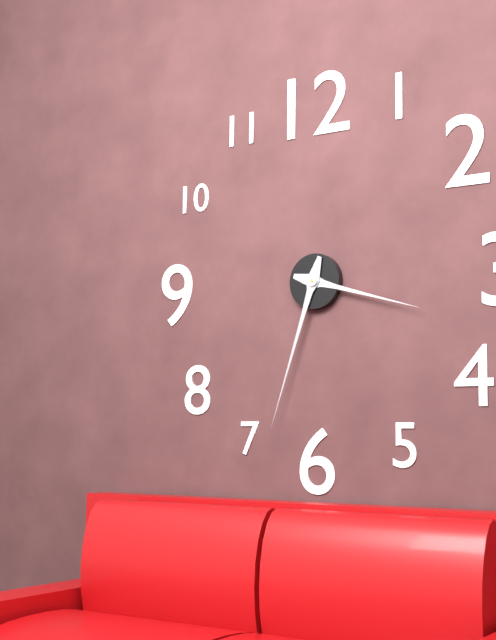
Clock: 3 h 33 min
